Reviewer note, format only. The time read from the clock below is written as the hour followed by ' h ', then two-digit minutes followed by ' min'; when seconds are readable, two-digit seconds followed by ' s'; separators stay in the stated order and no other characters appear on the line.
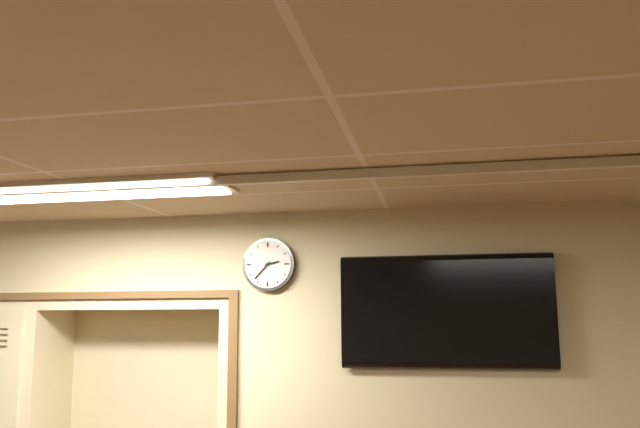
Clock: 2 h 37 min
